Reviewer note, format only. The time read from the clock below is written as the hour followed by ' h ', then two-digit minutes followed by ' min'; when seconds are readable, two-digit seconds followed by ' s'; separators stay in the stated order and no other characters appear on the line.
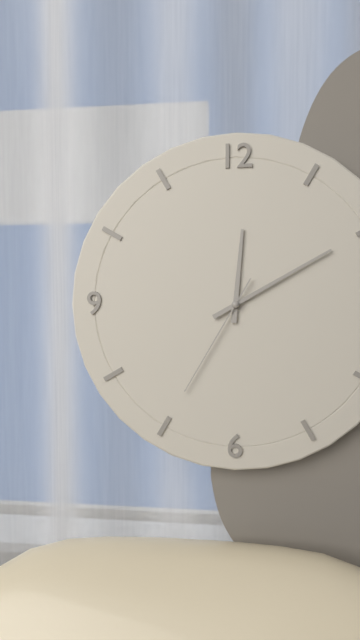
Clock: 12 h 10 min 35 s
